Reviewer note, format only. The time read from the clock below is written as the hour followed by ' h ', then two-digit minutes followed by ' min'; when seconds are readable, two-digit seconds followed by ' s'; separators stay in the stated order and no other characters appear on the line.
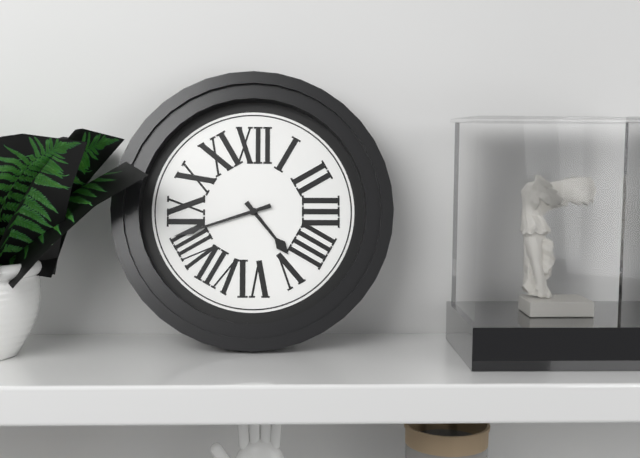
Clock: 4 h 42 min
